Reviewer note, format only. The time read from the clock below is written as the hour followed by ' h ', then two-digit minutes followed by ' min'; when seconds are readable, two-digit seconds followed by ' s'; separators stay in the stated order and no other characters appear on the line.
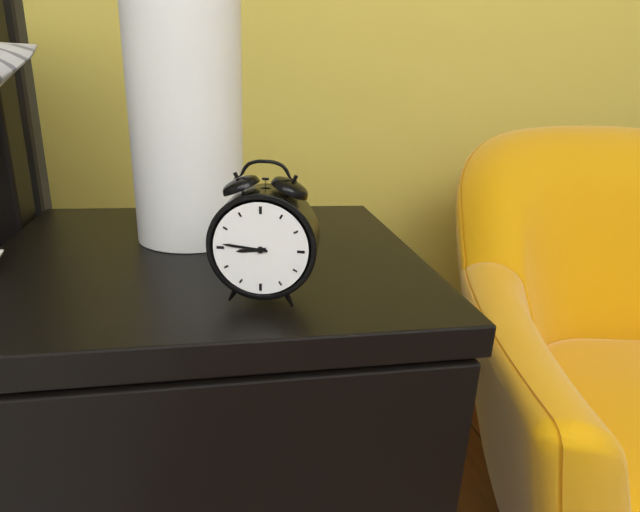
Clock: 8 h 46 min
